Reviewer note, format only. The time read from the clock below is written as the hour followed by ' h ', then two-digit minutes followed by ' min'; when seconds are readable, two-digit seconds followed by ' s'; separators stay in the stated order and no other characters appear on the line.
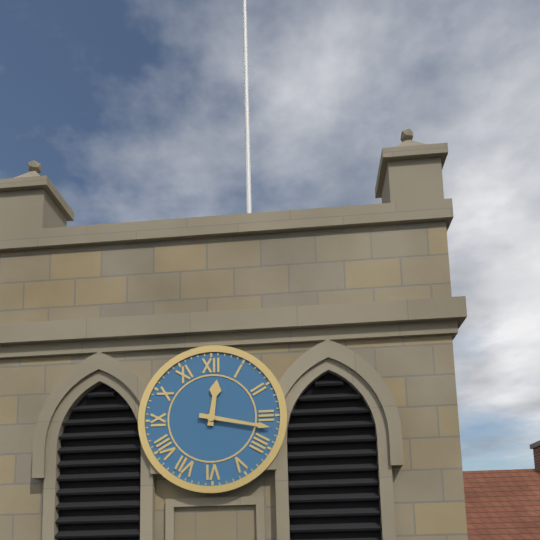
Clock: 12 h 17 min
